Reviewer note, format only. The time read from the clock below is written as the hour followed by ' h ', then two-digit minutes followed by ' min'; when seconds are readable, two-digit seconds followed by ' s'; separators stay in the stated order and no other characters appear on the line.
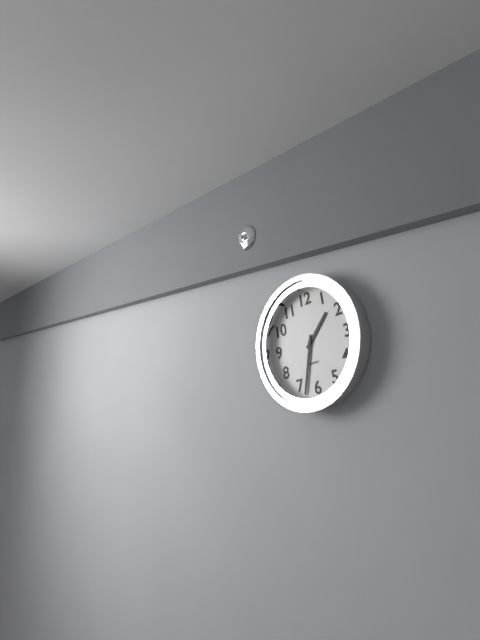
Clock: 1 h 33 min
